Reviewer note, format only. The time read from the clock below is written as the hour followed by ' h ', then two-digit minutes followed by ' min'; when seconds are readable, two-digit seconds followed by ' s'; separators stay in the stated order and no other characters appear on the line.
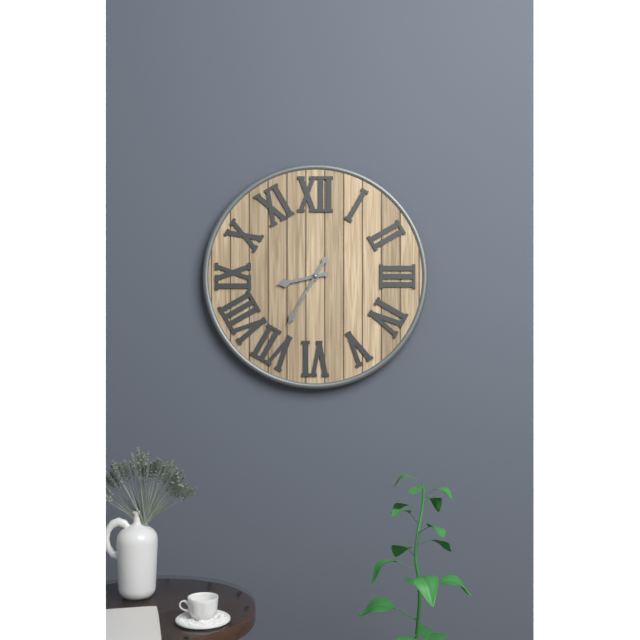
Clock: 8 h 35 min
